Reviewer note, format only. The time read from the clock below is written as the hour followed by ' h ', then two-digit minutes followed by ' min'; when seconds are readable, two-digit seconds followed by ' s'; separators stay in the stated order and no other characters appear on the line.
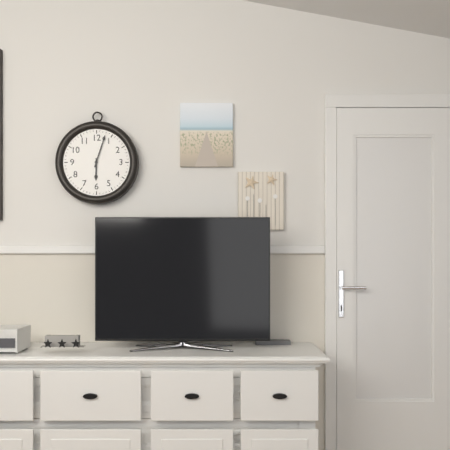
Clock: 6 h 03 min
